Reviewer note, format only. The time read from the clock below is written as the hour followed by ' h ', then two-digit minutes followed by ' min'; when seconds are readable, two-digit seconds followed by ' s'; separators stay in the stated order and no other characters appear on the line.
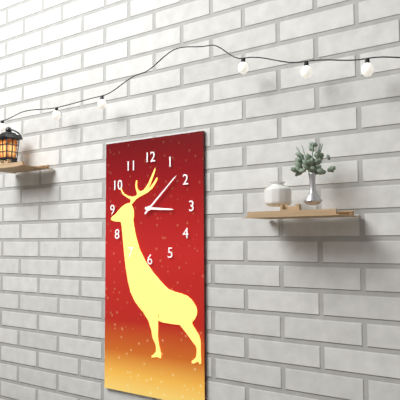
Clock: 3 h 08 min
